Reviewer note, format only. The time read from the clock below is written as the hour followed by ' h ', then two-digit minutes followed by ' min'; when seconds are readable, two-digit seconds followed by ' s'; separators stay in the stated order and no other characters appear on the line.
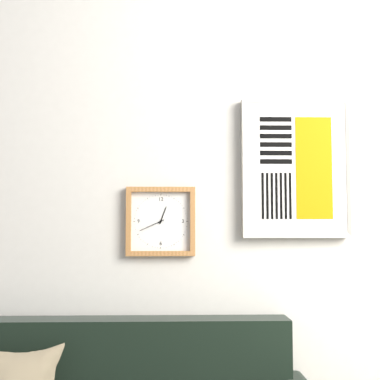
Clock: 12 h 41 min
